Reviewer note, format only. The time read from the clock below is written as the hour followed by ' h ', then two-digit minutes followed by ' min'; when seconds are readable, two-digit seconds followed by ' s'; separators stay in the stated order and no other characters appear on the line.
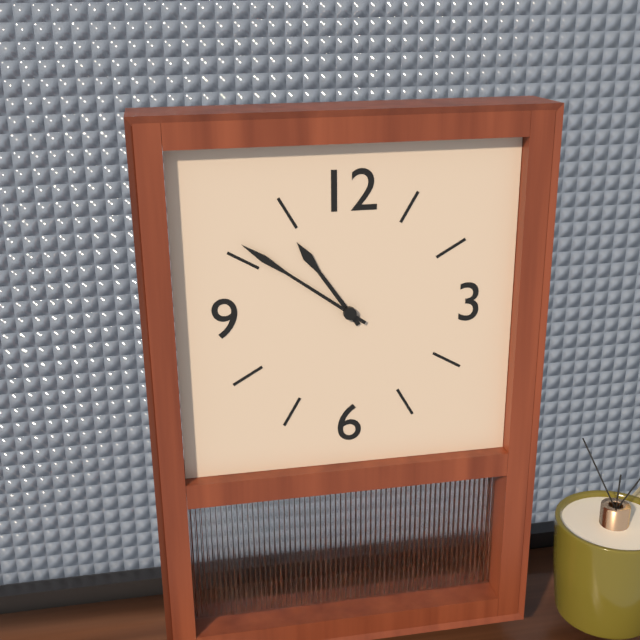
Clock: 10 h 51 min
